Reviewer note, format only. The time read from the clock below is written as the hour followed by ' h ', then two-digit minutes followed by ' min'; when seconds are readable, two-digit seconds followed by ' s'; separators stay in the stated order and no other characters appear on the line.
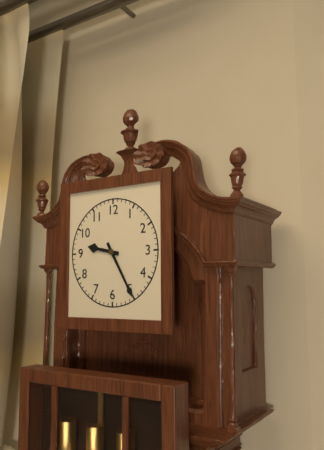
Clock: 9 h 25 min
